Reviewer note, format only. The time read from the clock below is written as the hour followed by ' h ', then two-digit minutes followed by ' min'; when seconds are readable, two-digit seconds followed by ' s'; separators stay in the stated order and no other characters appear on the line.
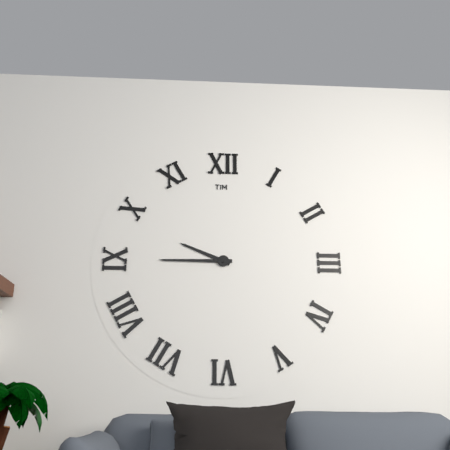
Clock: 9 h 45 min
